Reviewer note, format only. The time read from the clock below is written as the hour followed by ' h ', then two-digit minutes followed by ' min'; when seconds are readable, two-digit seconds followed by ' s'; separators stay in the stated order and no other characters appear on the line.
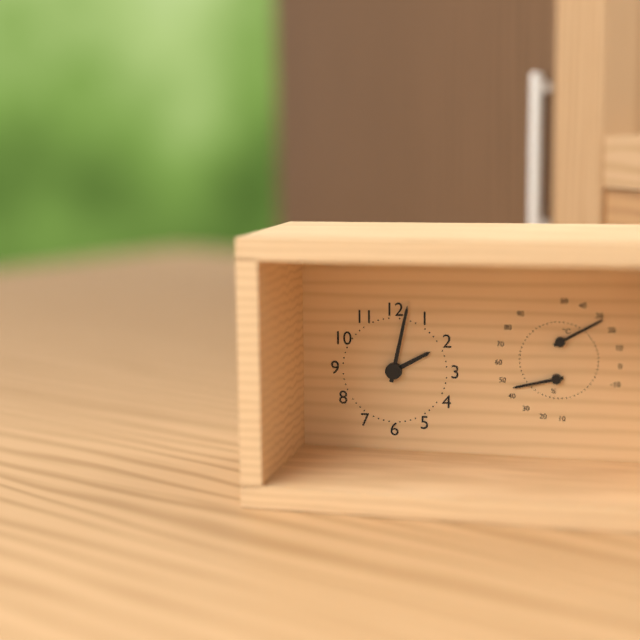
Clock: 2 h 02 min
